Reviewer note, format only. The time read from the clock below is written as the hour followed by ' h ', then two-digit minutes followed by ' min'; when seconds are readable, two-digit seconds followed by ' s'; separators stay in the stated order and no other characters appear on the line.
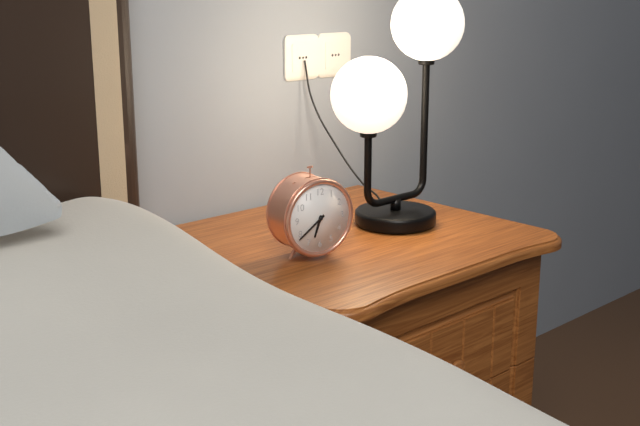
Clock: 6 h 39 min
